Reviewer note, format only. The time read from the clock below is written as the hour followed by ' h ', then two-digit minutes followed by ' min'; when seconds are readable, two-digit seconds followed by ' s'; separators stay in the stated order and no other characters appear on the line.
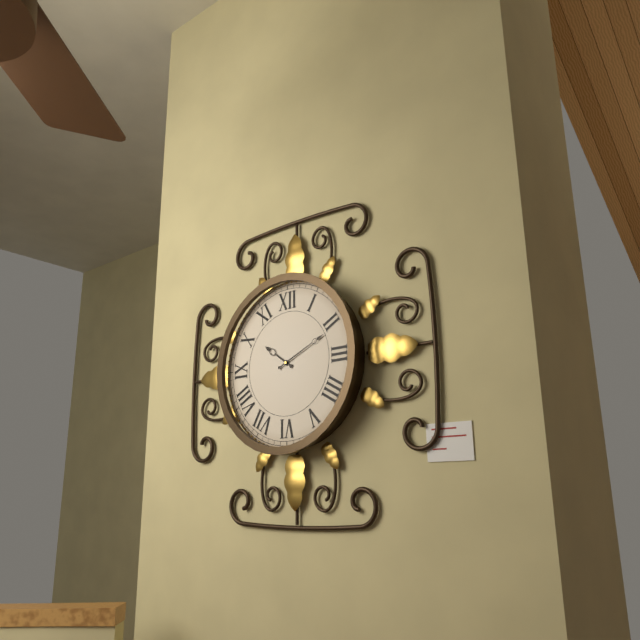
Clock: 10 h 11 min
